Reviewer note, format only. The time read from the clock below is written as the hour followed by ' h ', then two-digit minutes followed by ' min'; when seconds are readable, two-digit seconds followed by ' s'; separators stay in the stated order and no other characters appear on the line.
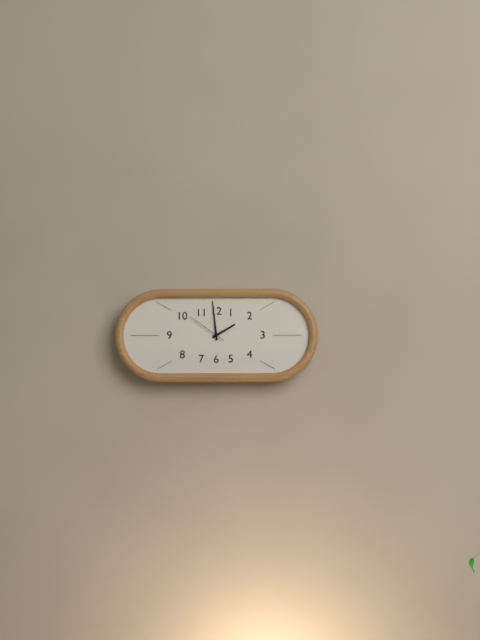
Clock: 1 h 59 min
